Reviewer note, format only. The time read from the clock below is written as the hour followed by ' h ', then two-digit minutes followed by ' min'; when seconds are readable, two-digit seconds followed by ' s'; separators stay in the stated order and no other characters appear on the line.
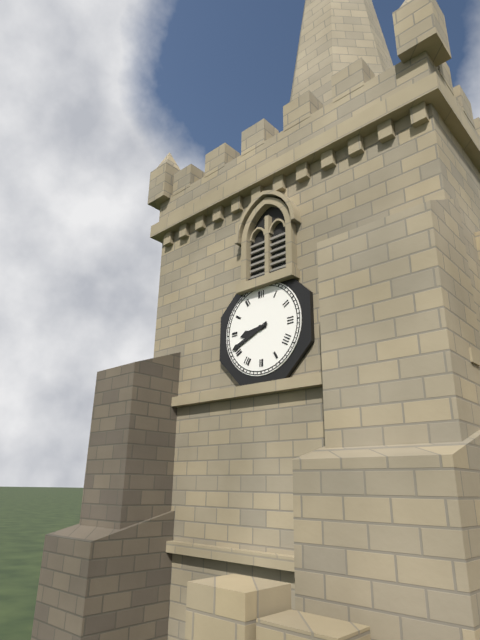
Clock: 8 h 41 min
